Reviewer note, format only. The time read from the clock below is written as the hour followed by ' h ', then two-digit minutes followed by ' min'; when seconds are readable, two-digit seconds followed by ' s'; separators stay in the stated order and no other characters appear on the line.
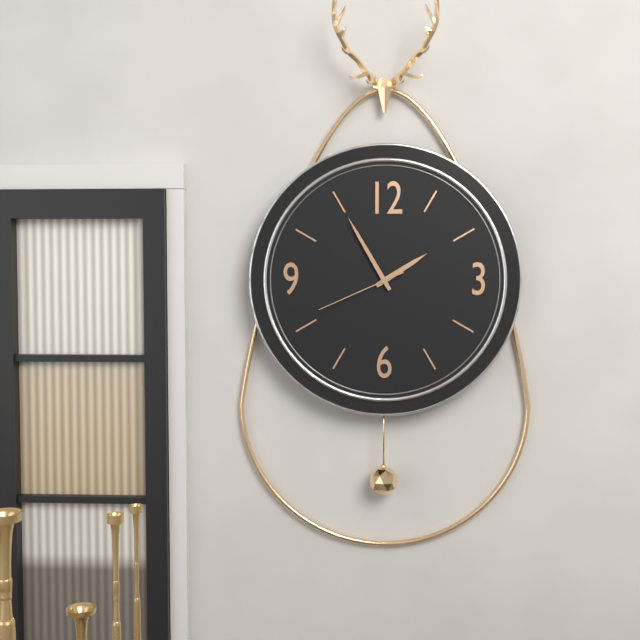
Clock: 1 h 55 min 41 s
